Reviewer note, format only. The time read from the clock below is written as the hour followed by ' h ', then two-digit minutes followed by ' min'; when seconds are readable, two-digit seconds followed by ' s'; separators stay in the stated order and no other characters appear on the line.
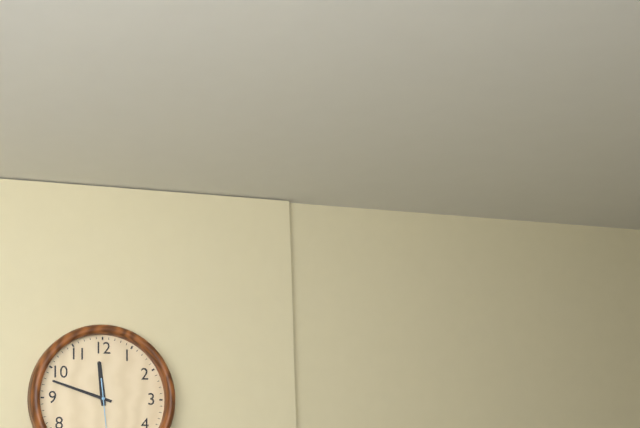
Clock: 11 h 48 min
